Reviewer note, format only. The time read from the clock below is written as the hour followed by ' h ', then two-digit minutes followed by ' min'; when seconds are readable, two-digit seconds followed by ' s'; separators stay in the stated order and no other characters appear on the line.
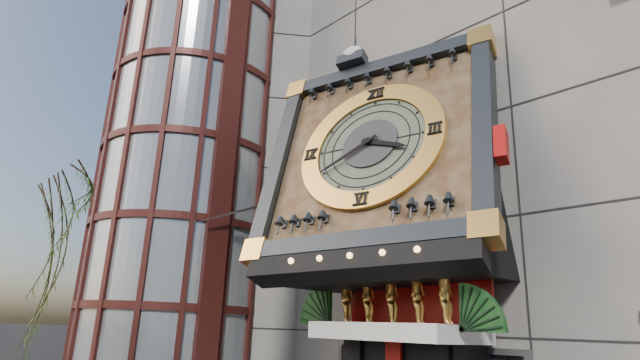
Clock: 3 h 40 min
